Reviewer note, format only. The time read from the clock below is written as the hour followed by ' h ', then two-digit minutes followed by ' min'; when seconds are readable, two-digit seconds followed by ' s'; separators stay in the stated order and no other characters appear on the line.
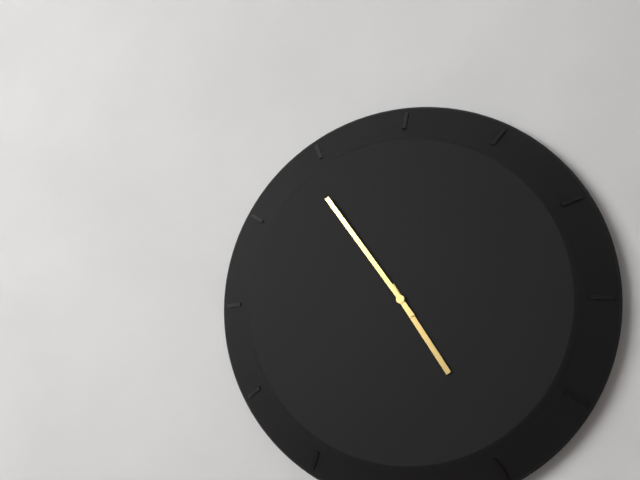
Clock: 4 h 54 min
